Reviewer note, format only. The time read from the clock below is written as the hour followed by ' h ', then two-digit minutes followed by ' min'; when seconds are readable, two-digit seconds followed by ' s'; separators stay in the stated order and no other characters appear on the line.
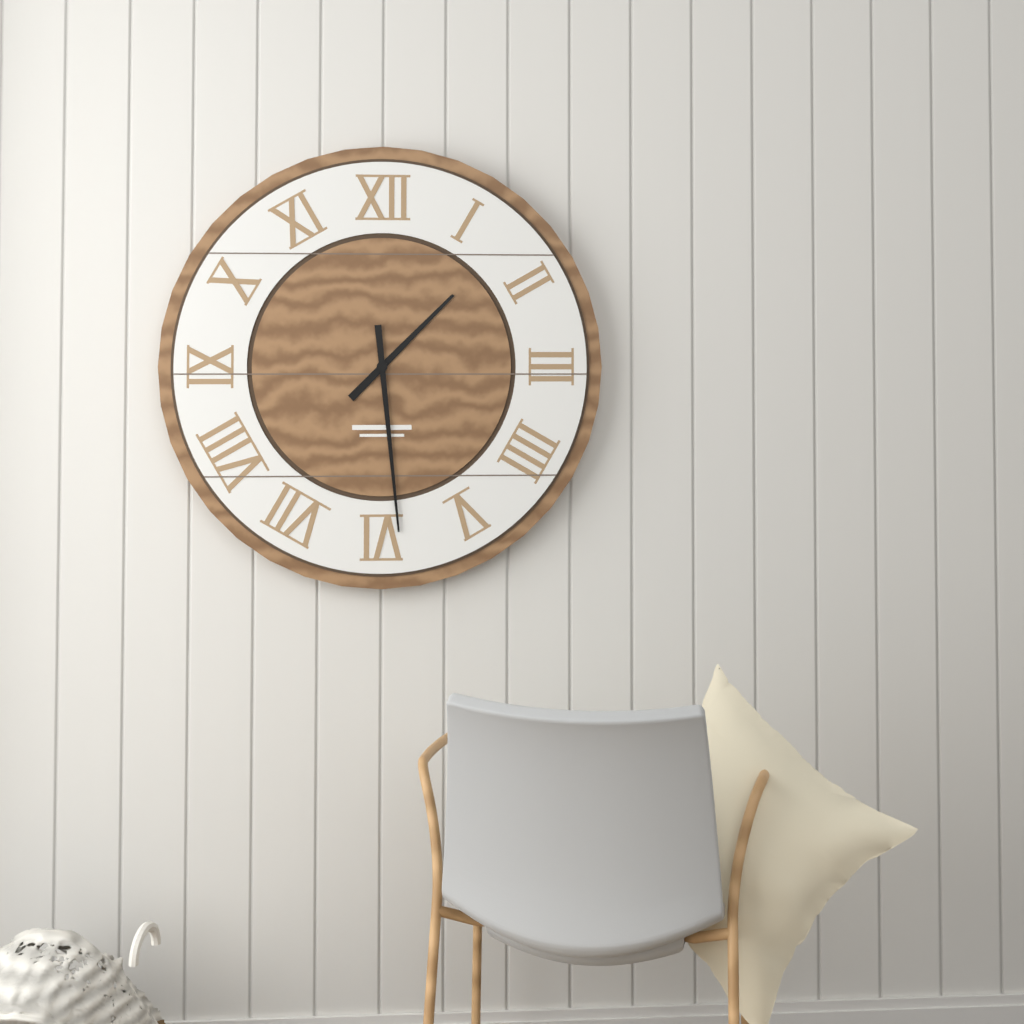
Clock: 1 h 29 min
